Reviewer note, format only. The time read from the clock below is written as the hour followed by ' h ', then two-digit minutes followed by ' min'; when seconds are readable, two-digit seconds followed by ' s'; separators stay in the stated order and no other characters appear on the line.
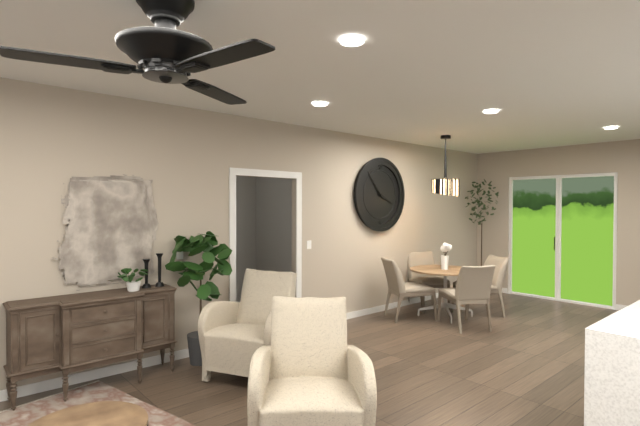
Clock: 3 h 53 min
